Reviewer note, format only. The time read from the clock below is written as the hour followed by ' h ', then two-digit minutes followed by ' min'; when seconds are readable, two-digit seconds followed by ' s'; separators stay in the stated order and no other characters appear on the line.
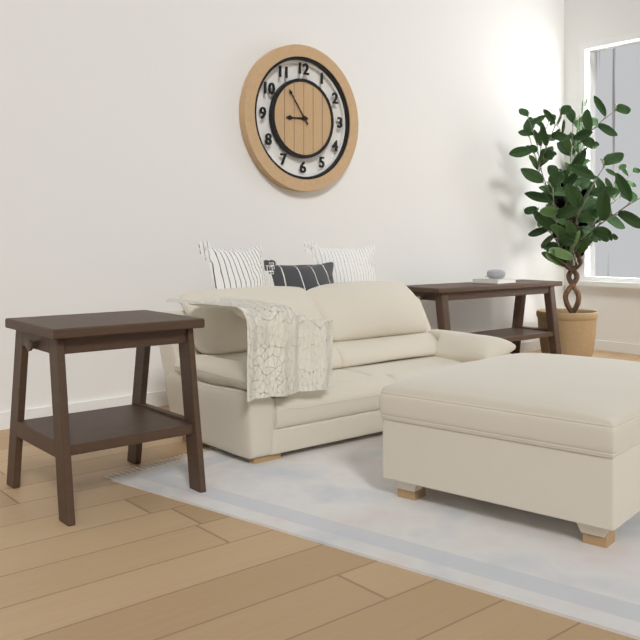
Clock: 8 h 54 min
